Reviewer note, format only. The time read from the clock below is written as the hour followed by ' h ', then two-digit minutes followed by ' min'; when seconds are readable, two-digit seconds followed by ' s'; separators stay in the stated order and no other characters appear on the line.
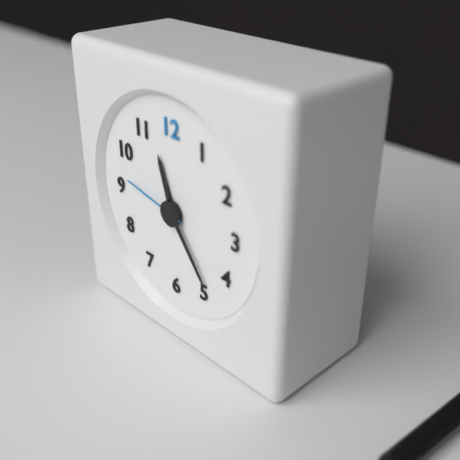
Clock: 11 h 24 min 47 s
